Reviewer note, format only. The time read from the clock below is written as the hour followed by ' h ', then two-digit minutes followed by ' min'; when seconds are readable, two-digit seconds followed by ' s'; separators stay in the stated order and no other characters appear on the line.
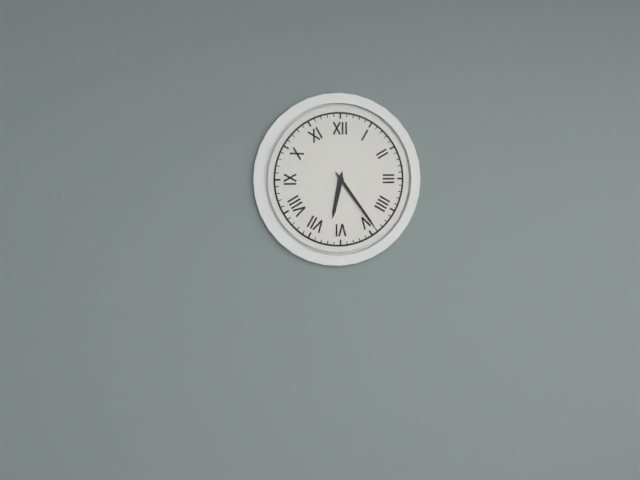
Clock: 6 h 24 min
